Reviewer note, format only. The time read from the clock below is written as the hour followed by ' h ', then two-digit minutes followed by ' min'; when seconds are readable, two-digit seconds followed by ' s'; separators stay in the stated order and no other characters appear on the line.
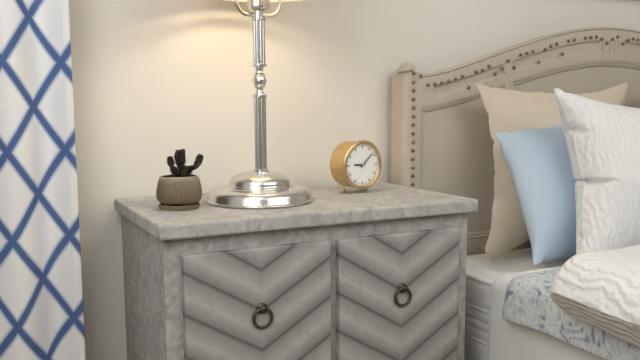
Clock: 9 h 08 min
